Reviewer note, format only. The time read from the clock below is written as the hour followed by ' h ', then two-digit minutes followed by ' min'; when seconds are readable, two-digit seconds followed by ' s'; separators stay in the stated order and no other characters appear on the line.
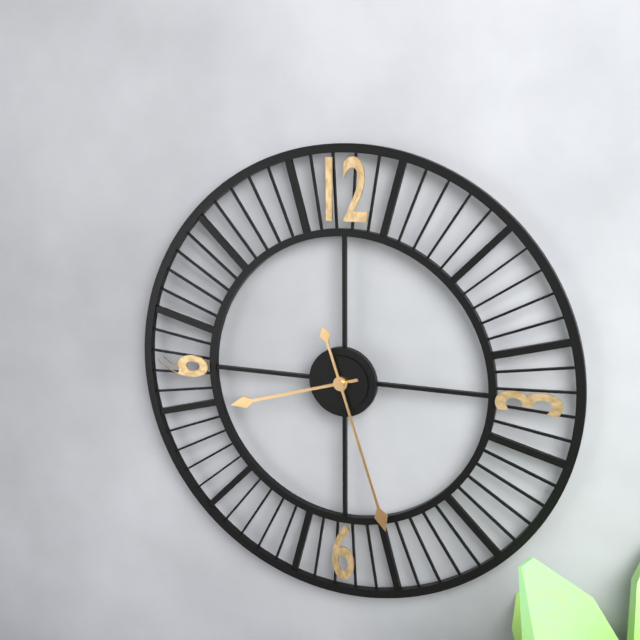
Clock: 8 h 27 min
